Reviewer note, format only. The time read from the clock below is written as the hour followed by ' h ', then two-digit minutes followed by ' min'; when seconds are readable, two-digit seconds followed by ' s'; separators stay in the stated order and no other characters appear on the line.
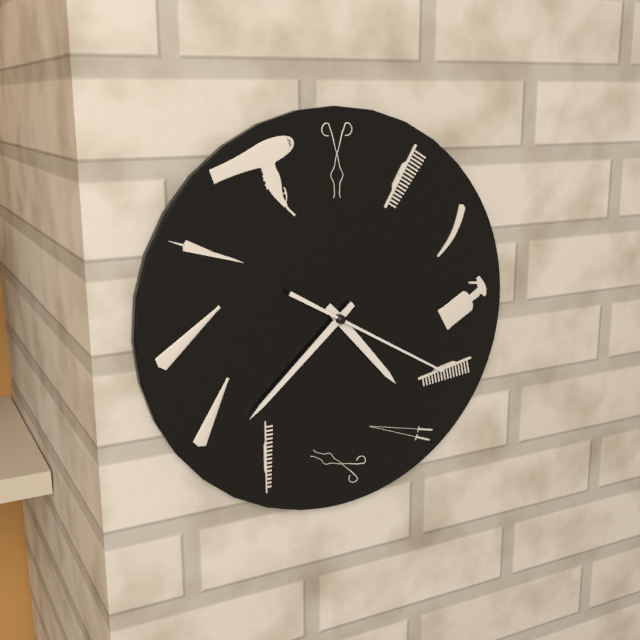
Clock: 4 h 38 min 20 s
